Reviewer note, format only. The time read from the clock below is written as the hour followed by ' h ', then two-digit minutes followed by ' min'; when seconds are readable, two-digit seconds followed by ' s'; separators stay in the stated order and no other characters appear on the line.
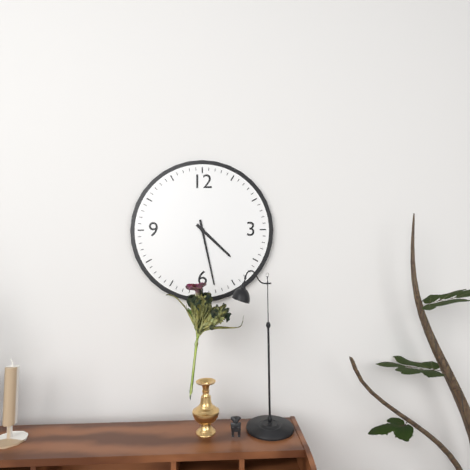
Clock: 4 h 28 min
